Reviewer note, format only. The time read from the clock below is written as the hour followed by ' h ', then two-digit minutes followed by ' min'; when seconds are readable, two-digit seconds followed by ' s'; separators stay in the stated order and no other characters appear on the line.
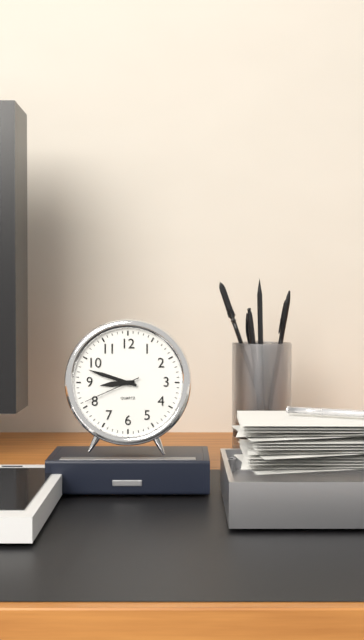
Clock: 8 h 48 min 41 s
